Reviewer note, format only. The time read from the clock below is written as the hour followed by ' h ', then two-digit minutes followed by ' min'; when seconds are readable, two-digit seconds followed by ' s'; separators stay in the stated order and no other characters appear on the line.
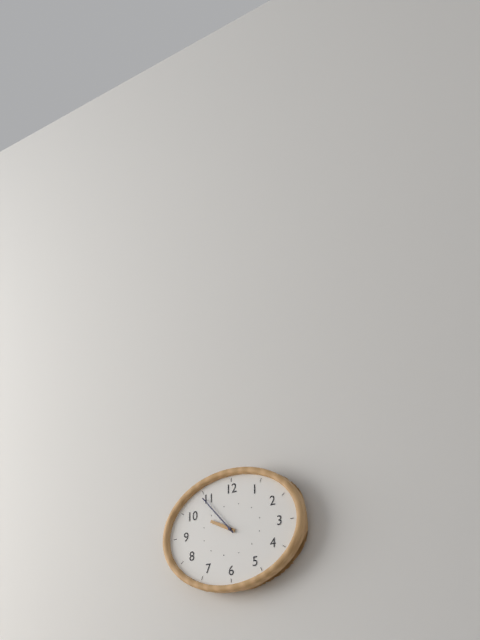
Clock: 9 h 53 min
